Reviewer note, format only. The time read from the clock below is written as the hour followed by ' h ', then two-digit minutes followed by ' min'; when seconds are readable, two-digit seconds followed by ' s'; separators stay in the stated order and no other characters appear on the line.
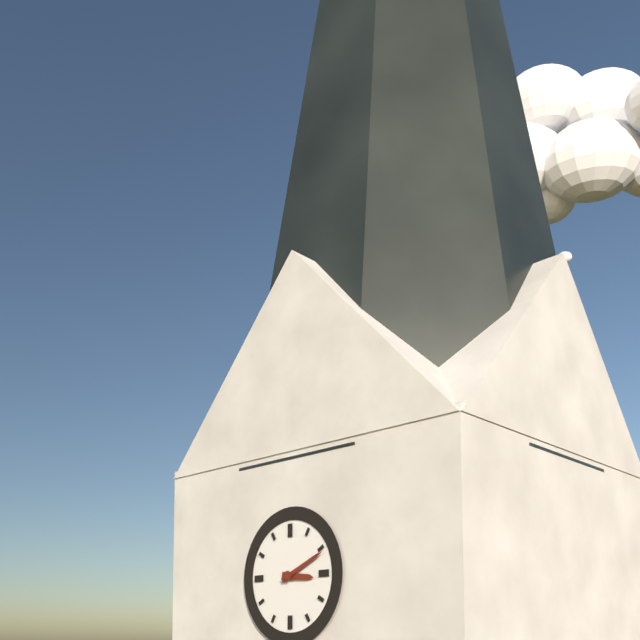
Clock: 3 h 11 min
